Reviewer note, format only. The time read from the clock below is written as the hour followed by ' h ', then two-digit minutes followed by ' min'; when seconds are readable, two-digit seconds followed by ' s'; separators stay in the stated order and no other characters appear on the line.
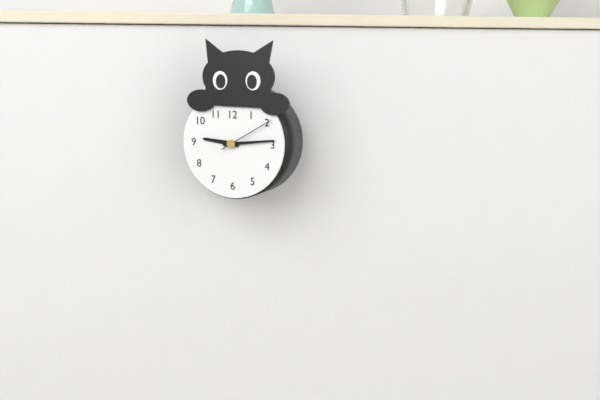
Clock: 9 h 14 min 10 s
